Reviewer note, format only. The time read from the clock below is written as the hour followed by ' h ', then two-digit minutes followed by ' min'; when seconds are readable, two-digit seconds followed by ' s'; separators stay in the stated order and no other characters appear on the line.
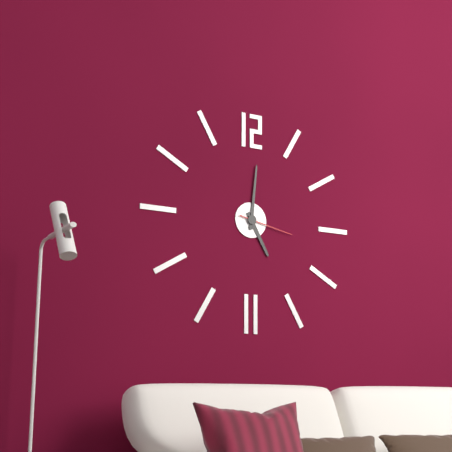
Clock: 5 h 01 min 17 s
